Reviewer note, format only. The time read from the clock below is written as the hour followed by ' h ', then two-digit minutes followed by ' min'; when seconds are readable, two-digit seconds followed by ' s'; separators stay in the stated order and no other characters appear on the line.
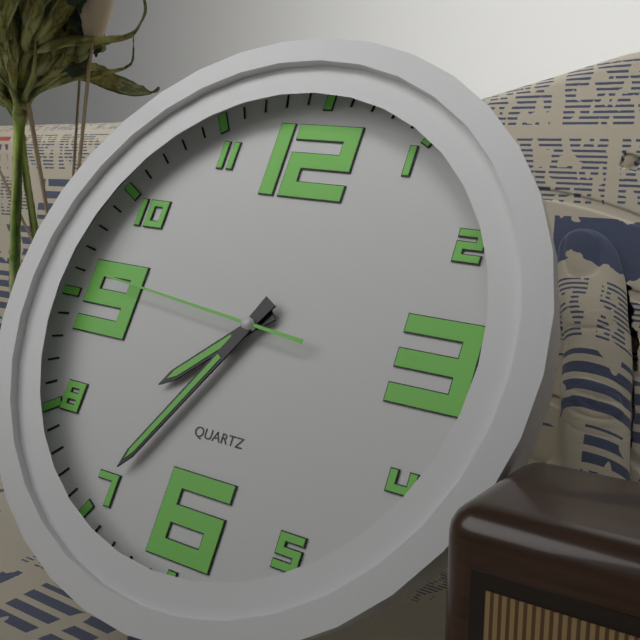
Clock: 7 h 35 min 46 s
